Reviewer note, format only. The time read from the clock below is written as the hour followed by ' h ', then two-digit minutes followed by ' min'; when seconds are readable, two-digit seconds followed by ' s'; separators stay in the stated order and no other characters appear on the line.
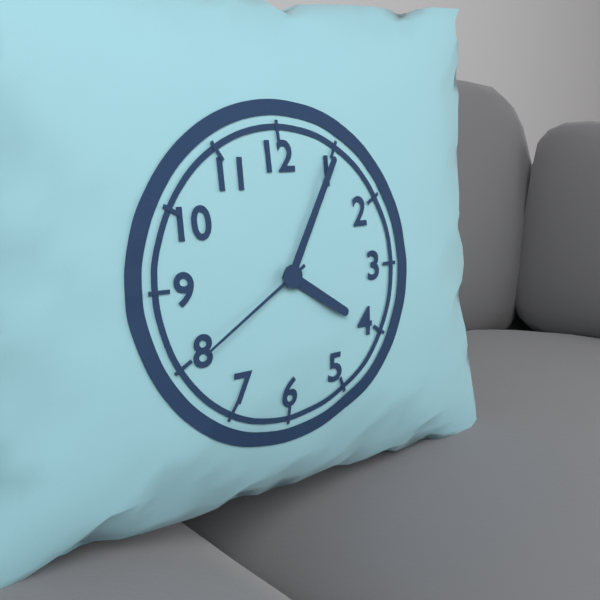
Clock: 4 h 05 min 40 s
